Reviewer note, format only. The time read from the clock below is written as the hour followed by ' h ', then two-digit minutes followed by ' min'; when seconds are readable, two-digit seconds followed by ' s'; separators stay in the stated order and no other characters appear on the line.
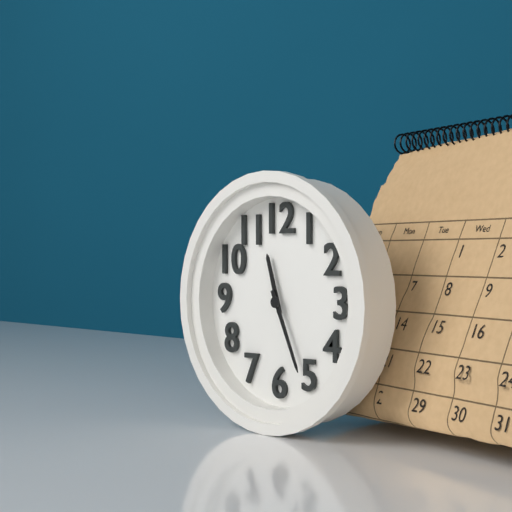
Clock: 11 h 26 min
